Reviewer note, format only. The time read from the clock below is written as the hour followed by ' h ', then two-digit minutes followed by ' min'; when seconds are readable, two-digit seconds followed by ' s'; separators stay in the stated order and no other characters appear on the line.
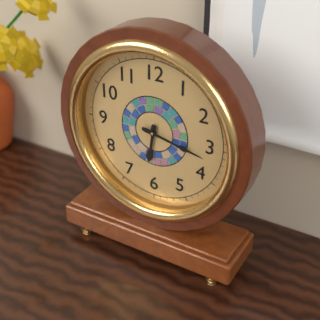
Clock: 6 h 17 min
